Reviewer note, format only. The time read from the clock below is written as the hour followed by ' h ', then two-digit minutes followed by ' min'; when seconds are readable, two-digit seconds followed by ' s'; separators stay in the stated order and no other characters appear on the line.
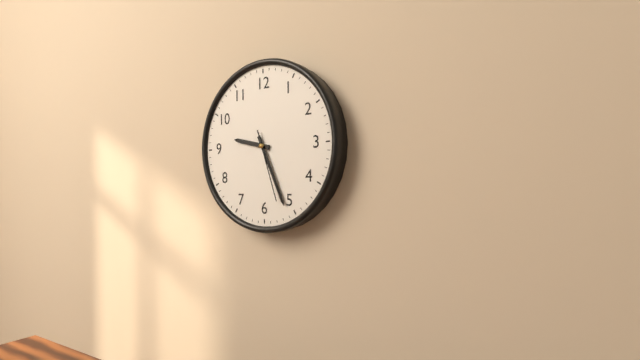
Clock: 9 h 26 min 27 s
